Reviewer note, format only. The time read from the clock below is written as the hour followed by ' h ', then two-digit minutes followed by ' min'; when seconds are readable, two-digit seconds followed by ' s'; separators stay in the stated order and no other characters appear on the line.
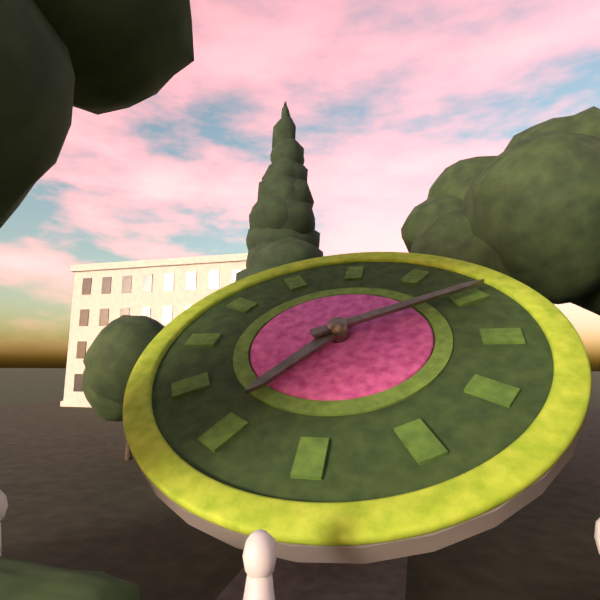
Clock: 7 h 10 min
